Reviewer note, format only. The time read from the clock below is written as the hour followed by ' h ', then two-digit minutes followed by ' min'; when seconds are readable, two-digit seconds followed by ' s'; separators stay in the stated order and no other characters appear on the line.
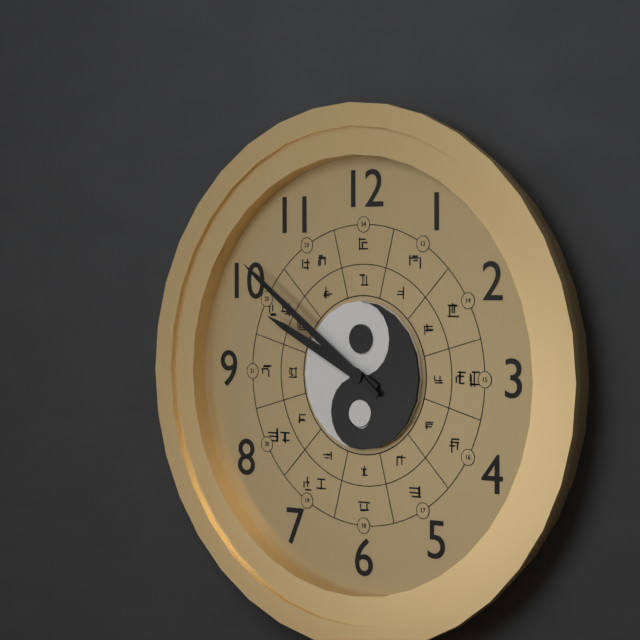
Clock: 9 h 51 min
